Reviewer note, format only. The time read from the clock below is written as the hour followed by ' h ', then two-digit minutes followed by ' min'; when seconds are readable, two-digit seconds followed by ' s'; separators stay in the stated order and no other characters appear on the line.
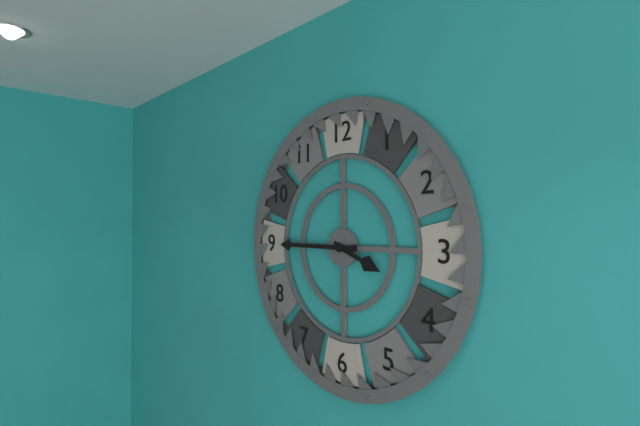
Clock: 3 h 45 min
